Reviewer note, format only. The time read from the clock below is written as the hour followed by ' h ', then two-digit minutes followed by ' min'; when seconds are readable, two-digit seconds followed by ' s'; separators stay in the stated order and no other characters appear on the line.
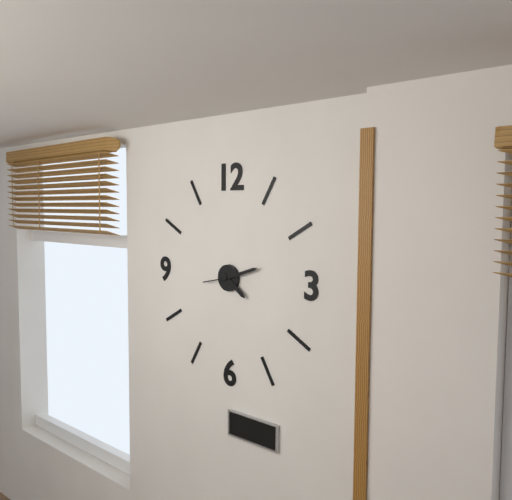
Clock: 4 h 12 min
